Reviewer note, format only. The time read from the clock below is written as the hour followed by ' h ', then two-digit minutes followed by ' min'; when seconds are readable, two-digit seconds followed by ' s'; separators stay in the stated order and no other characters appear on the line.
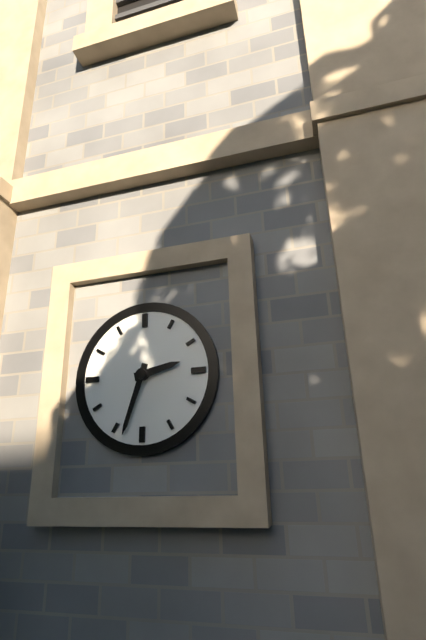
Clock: 2 h 33 min
